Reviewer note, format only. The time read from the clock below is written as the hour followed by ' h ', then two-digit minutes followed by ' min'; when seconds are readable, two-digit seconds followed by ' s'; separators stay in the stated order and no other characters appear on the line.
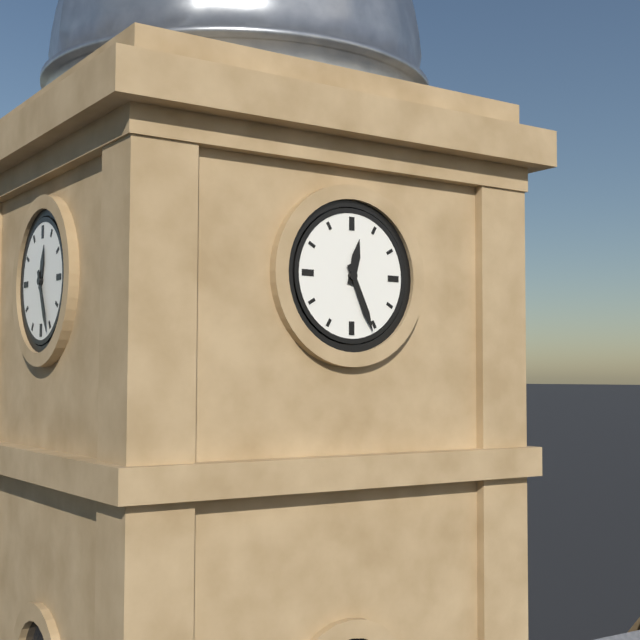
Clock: 12 h 26 min
